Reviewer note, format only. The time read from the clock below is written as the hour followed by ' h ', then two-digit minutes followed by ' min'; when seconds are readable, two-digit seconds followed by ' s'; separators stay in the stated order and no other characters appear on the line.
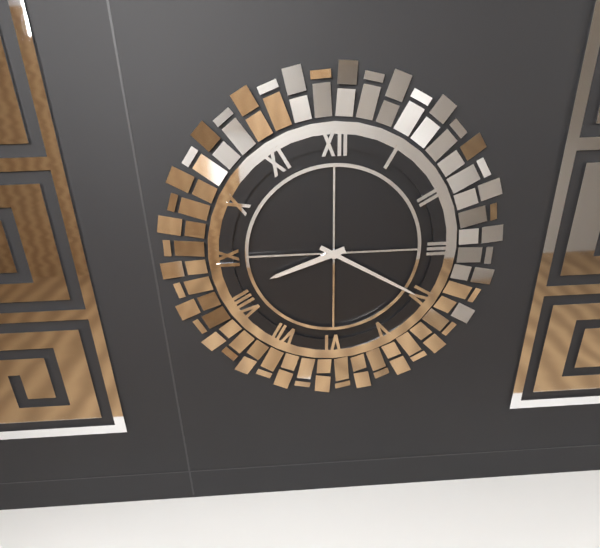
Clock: 8 h 20 min
